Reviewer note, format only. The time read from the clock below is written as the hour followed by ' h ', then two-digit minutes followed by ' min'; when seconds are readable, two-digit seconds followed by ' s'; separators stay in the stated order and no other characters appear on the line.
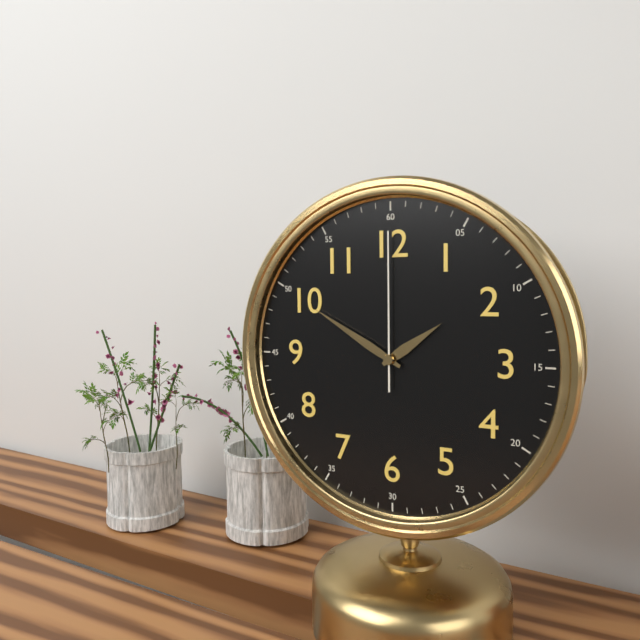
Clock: 1 h 50 min 00 s
